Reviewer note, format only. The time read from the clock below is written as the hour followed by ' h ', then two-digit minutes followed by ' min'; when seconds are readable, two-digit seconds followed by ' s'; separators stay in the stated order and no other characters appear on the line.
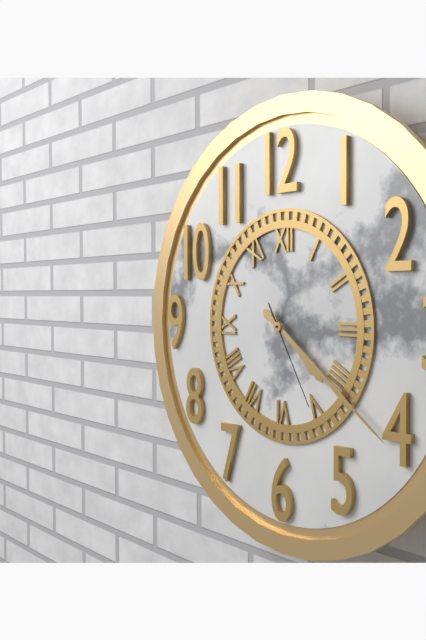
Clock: 4 h 21 min 25 s
